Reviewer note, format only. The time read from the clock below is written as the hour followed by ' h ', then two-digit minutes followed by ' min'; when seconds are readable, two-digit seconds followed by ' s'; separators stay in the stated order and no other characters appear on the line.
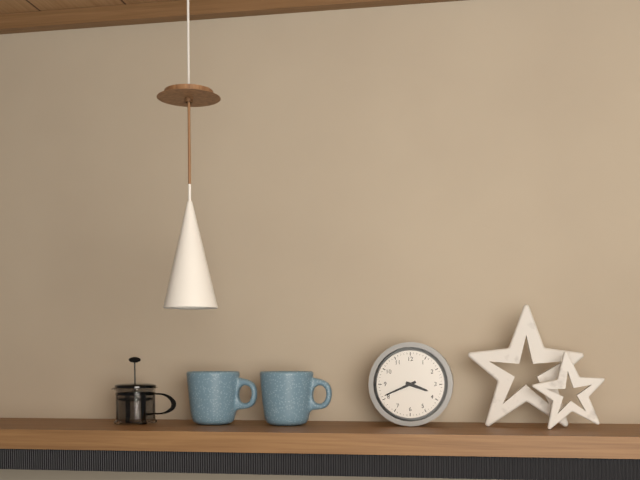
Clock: 3 h 41 min
